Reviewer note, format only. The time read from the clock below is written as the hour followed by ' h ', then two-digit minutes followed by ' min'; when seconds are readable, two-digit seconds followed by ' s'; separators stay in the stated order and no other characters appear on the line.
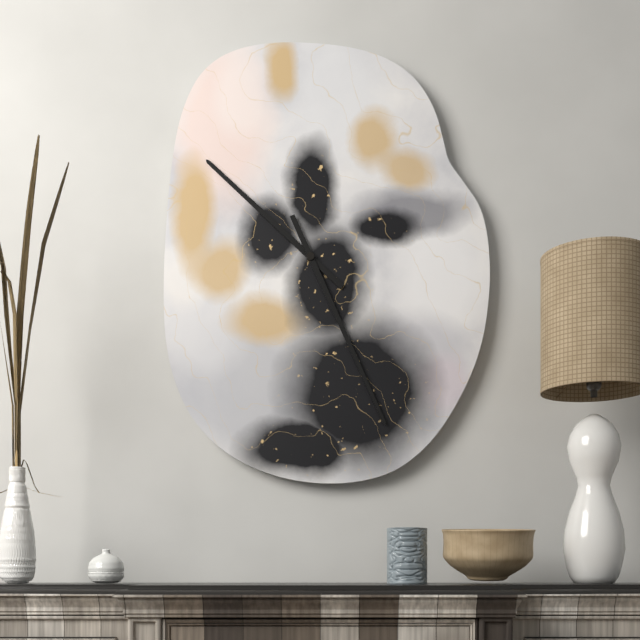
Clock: 10 h 26 min
